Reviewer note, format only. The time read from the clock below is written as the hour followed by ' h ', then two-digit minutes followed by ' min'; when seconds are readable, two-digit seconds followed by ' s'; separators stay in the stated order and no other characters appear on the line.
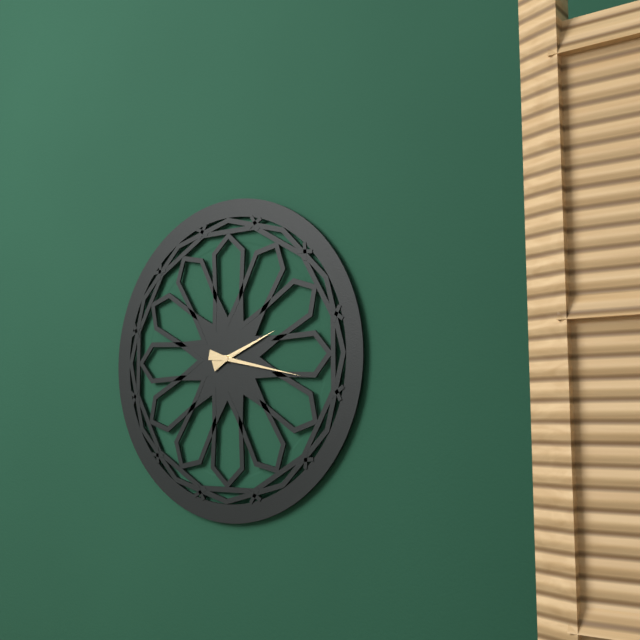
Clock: 2 h 17 min
